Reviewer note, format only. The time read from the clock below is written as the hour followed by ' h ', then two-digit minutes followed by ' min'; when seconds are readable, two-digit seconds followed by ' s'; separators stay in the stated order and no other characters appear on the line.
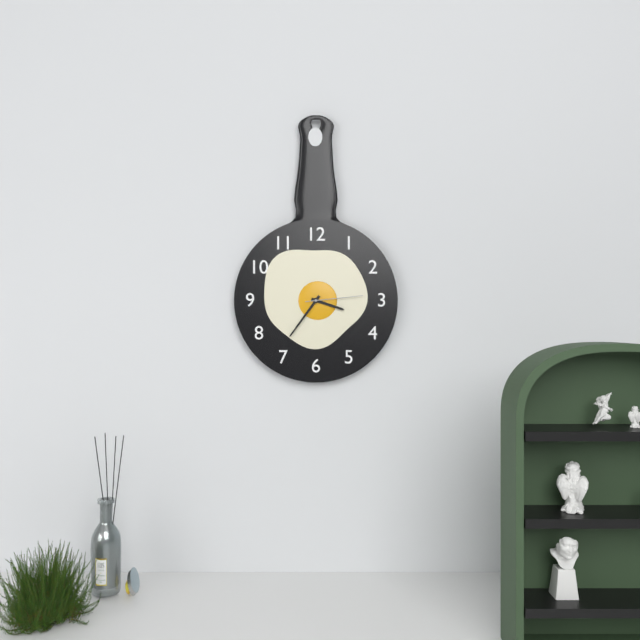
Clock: 3 h 36 min 14 s
